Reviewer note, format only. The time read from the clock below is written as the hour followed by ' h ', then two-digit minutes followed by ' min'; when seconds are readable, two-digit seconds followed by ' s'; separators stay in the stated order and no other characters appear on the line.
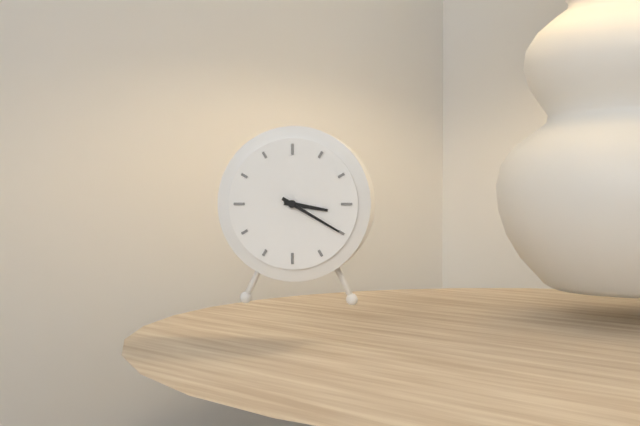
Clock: 3 h 20 min
